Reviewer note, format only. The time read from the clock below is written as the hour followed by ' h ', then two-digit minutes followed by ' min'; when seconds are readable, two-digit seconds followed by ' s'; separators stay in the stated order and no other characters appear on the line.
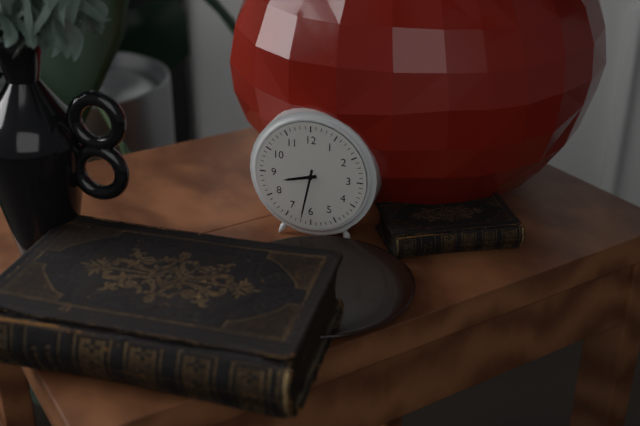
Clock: 8 h 32 min
